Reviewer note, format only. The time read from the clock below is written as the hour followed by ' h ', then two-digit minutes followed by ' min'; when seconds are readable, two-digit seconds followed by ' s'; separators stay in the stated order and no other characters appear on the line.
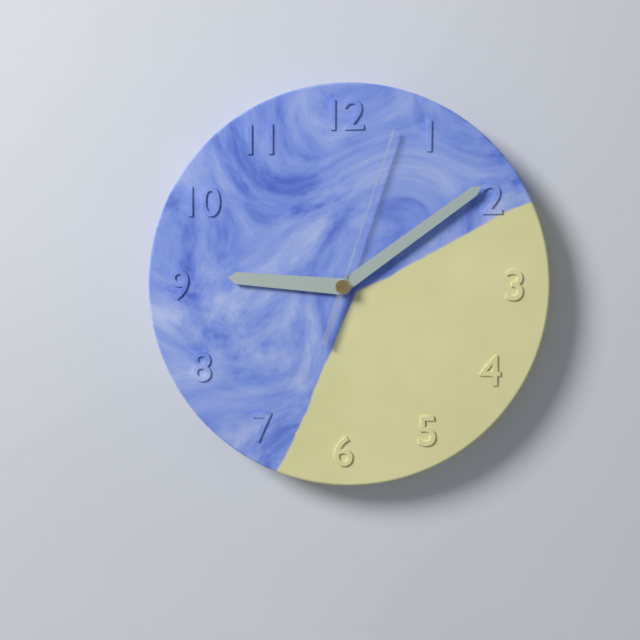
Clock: 9 h 09 min 03 s
